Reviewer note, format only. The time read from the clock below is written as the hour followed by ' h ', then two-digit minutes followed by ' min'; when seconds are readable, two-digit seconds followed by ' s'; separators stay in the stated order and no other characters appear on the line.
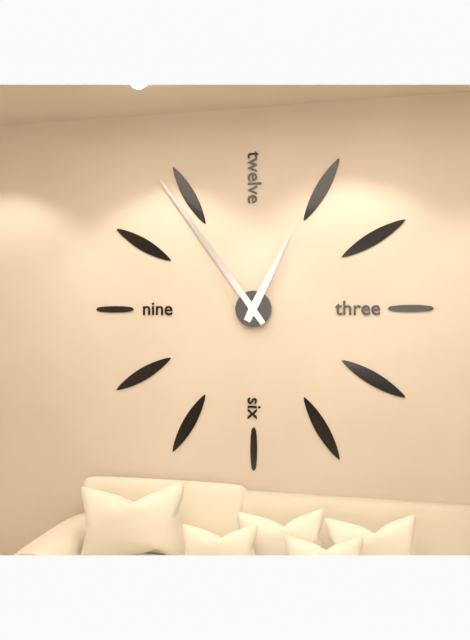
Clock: 12 h 54 min
